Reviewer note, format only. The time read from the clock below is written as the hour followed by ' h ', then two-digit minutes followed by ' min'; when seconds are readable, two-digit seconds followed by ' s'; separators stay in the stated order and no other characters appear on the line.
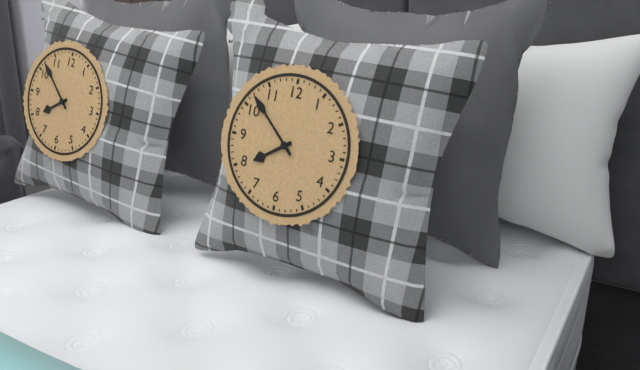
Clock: 7 h 52 min
